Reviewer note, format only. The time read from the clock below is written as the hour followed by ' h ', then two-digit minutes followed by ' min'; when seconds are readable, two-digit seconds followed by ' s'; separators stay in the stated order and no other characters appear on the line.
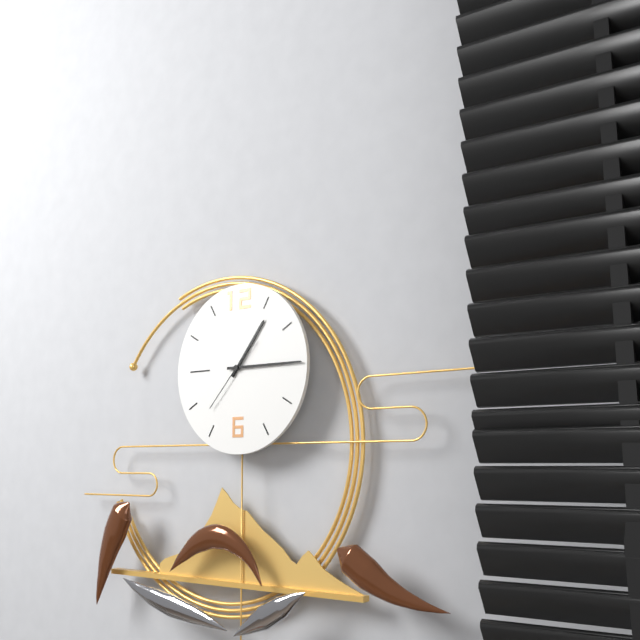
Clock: 1 h 15 min 37 s
